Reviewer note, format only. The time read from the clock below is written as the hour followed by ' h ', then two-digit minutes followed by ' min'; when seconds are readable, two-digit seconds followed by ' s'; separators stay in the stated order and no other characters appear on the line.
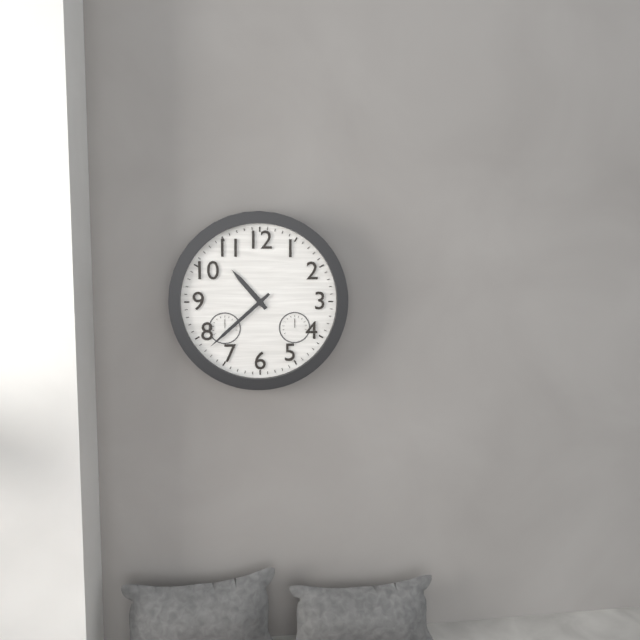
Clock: 10 h 38 min
